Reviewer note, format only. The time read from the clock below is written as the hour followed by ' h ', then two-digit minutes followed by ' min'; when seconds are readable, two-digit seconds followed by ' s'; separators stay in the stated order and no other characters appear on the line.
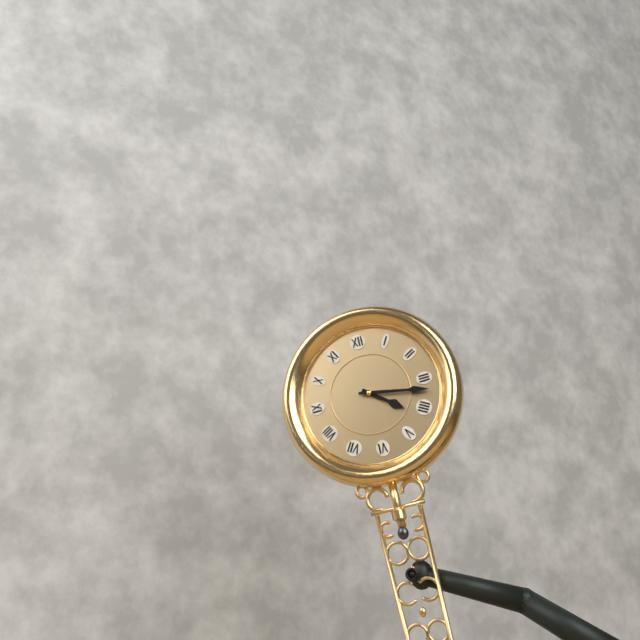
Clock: 4 h 17 min
